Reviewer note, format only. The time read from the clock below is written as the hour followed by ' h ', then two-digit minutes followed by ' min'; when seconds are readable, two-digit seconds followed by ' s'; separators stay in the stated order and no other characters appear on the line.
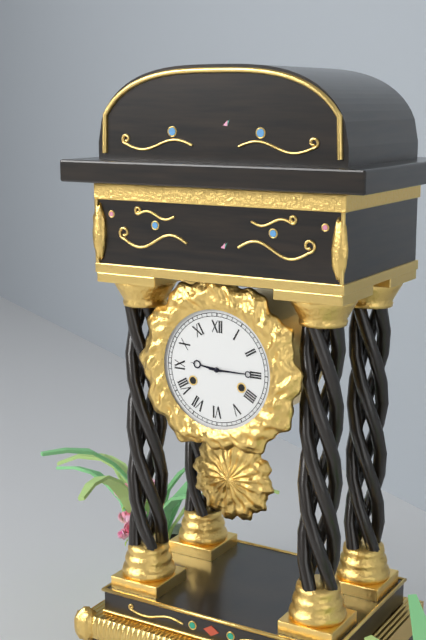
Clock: 9 h 15 min
